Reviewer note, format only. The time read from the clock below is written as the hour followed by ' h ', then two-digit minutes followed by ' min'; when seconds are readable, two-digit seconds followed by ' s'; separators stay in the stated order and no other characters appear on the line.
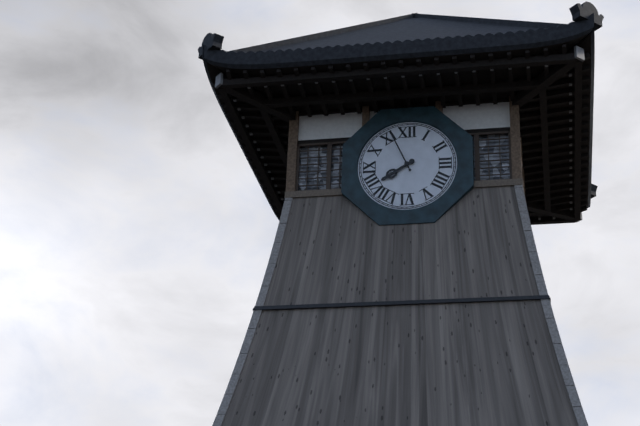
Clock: 7 h 56 min
